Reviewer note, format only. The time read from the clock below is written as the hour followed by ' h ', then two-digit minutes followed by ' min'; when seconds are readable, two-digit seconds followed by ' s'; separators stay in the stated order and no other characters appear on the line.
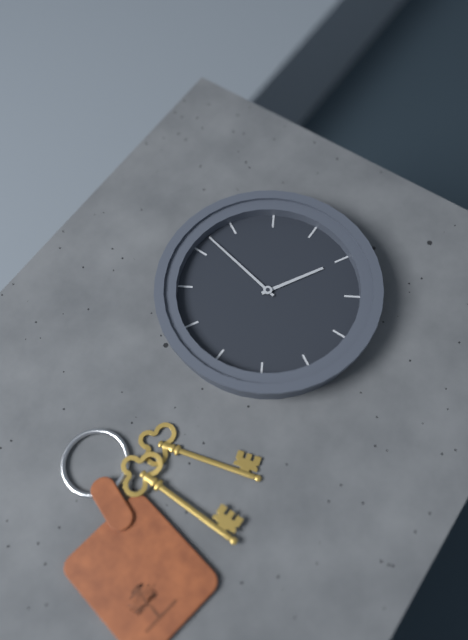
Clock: 4 h 02 min
